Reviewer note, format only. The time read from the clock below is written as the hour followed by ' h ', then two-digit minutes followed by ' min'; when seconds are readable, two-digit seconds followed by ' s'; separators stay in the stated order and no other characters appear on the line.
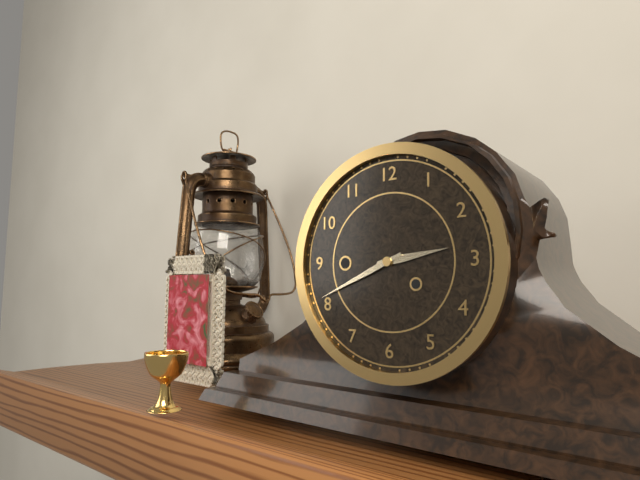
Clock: 2 h 41 min
